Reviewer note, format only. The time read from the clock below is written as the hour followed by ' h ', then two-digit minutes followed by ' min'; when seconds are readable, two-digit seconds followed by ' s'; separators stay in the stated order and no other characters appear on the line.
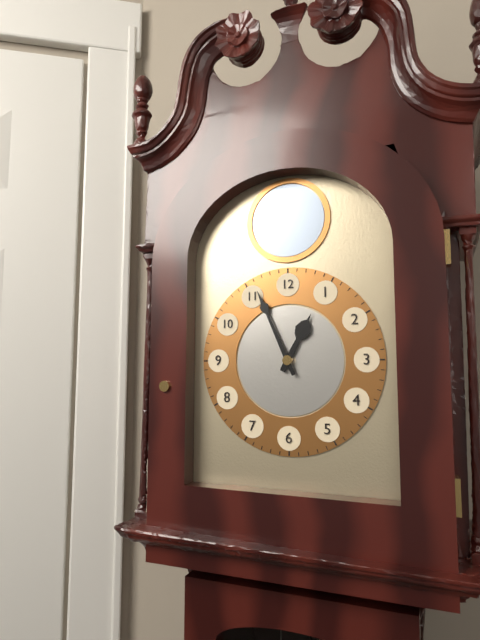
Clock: 12 h 56 min
